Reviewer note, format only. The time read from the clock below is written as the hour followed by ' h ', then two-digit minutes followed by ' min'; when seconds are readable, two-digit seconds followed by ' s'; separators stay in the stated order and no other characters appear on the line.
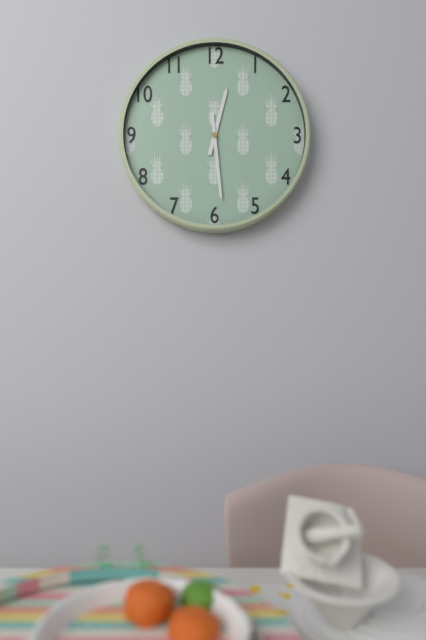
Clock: 12 h 29 min
